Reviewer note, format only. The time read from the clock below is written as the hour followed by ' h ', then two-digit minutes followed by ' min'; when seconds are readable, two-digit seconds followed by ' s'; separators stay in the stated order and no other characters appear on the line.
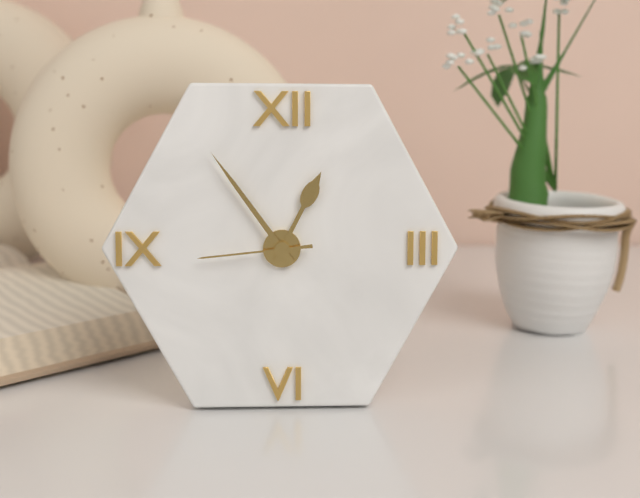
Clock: 12 h 54 min 44 s
